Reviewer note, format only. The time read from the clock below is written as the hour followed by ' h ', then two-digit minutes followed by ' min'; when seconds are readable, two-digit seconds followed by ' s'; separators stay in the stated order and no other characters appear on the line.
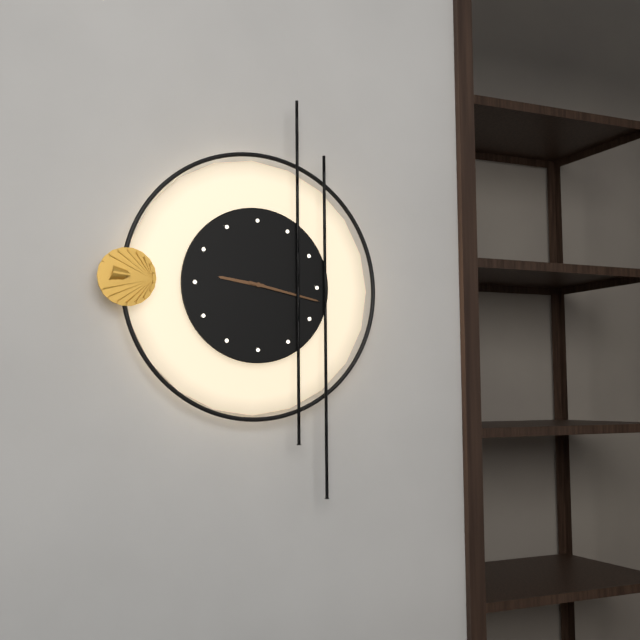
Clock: 9 h 17 min
